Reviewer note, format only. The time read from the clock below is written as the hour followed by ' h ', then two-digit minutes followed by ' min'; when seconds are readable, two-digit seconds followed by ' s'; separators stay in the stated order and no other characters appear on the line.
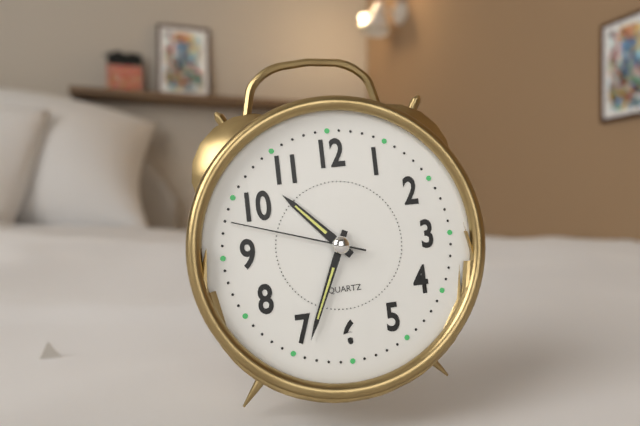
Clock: 10 h 34 min 48 s
